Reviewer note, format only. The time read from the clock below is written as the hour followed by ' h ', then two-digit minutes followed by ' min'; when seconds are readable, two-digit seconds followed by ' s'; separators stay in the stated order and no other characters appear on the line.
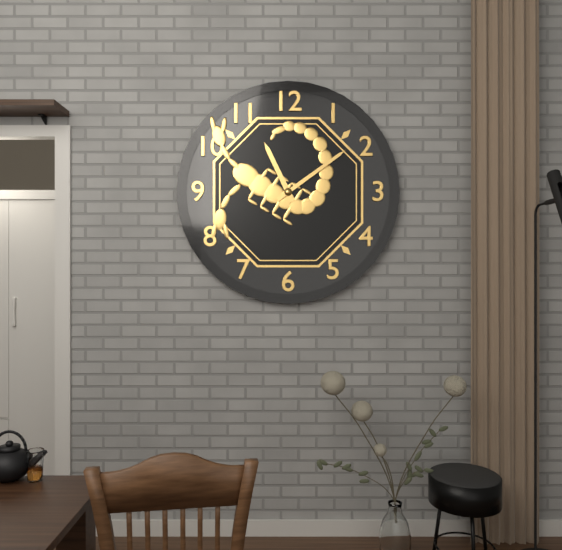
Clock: 11 h 09 min
